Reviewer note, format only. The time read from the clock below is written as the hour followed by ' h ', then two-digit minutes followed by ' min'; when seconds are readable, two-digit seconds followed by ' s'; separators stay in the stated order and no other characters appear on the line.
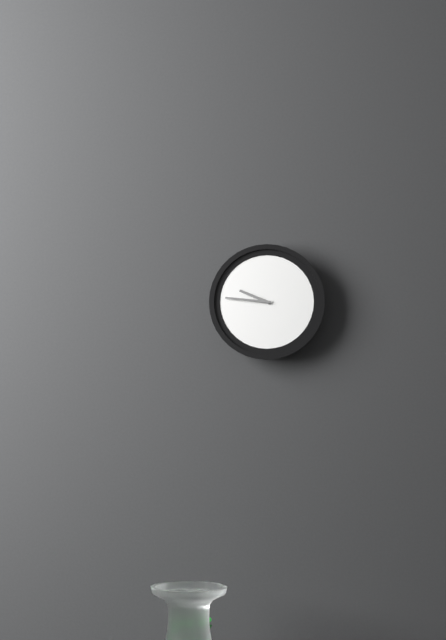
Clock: 9 h 46 min
